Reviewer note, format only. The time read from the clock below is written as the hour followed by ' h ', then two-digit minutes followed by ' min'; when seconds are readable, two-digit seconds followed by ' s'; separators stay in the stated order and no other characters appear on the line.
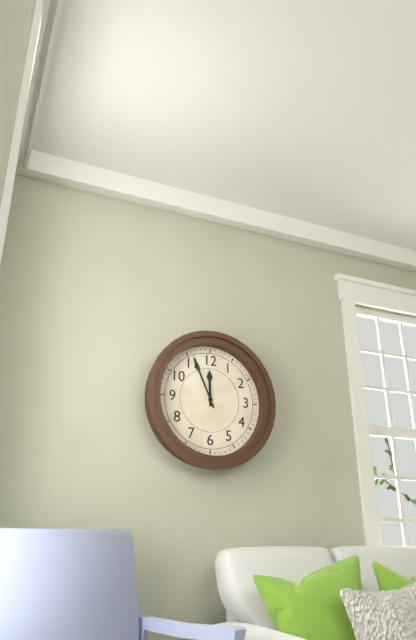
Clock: 11 h 56 min
